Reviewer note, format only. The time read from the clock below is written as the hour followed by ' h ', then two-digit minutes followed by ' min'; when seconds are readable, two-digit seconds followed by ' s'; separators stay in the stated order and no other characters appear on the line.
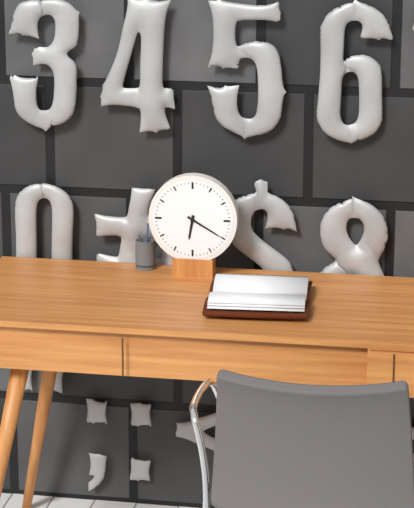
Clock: 6 h 20 min
